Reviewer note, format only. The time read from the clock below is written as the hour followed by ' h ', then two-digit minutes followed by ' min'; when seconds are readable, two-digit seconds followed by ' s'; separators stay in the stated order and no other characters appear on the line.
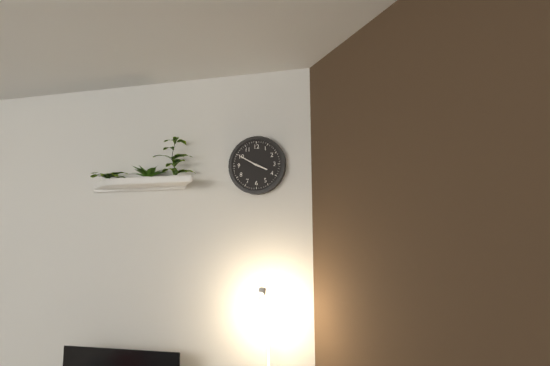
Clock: 3 h 50 min
